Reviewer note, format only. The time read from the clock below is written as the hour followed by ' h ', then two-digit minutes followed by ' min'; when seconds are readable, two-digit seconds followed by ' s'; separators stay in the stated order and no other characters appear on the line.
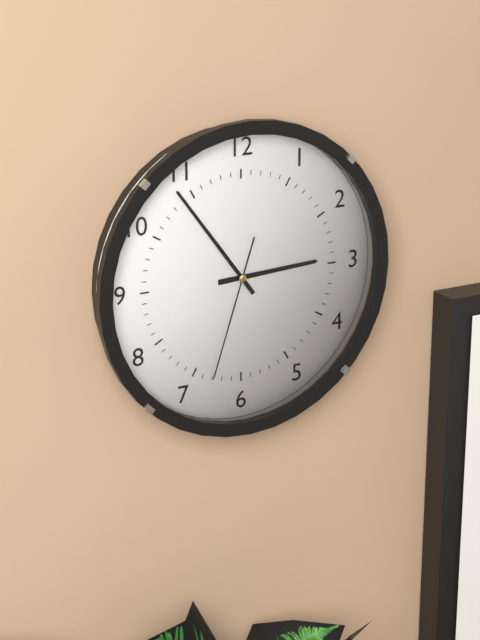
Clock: 2 h 54 min 33 s
